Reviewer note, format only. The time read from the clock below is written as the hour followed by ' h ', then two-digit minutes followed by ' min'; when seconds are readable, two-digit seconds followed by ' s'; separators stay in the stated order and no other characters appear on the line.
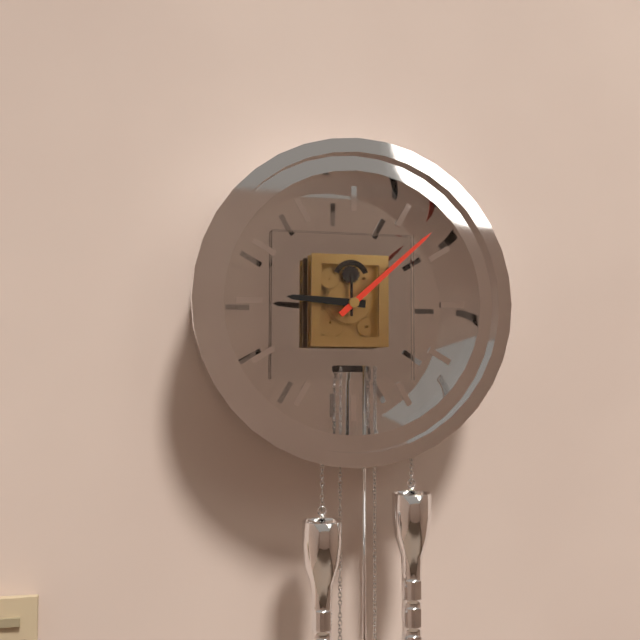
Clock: 9 h 08 min
